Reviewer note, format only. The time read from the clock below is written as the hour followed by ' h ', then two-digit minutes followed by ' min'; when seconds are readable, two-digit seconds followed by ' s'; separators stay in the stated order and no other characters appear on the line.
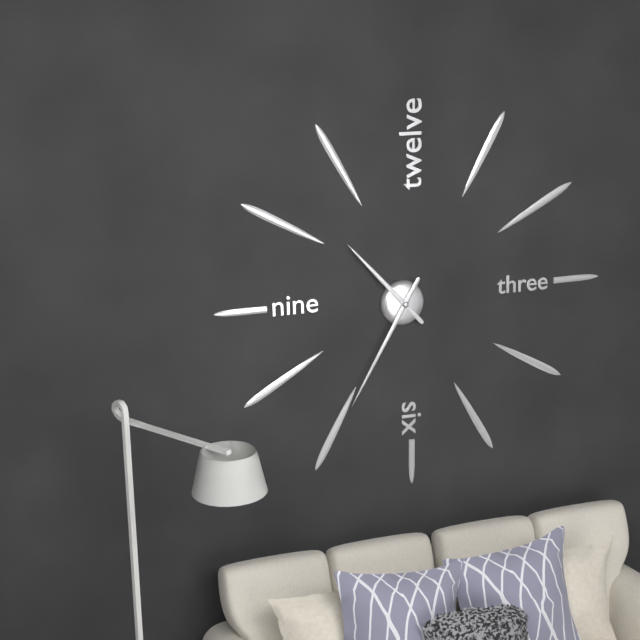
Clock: 10 h 35 min
